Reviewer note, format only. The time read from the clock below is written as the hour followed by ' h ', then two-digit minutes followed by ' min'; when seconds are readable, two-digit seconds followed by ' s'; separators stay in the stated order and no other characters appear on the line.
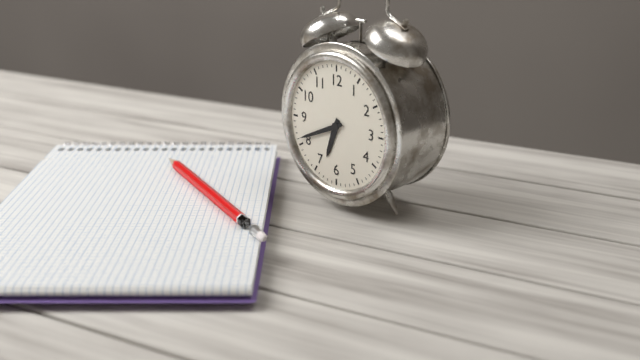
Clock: 6 h 41 min
